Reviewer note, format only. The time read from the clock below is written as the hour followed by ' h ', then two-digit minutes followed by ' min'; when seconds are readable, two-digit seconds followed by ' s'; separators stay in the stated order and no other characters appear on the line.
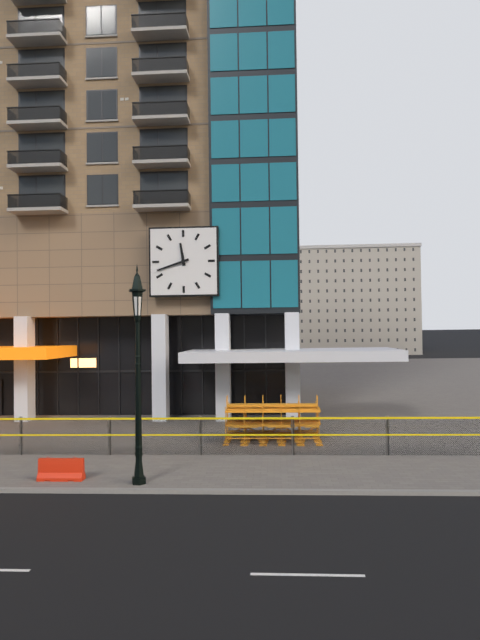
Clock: 11 h 42 min
